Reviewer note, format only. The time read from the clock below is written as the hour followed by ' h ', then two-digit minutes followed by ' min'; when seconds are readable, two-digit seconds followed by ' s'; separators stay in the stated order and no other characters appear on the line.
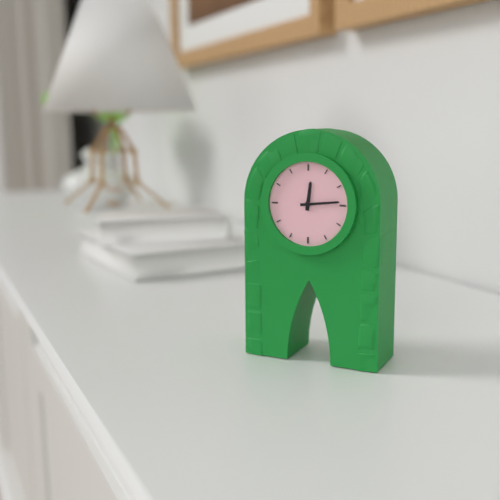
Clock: 12 h 14 min
